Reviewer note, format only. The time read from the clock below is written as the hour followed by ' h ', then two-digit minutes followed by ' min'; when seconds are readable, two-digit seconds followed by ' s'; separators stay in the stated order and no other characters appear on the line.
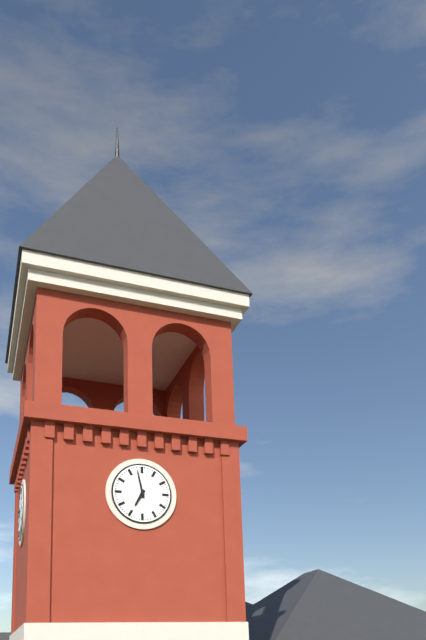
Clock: 6 h 58 min
